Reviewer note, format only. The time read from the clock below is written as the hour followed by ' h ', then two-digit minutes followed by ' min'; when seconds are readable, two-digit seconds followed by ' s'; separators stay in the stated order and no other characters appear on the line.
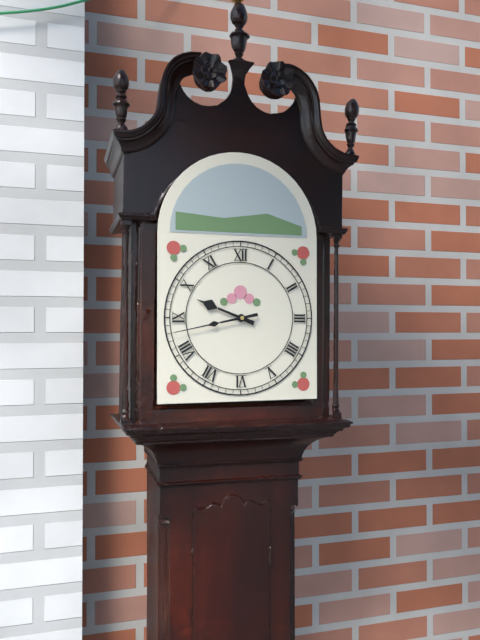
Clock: 9 h 43 min
